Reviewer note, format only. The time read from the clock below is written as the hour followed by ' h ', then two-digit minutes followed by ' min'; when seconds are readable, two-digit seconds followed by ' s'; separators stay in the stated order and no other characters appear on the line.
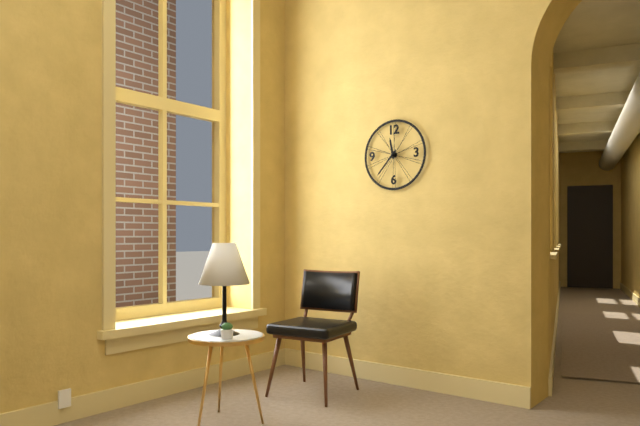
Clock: 11 h 37 min
